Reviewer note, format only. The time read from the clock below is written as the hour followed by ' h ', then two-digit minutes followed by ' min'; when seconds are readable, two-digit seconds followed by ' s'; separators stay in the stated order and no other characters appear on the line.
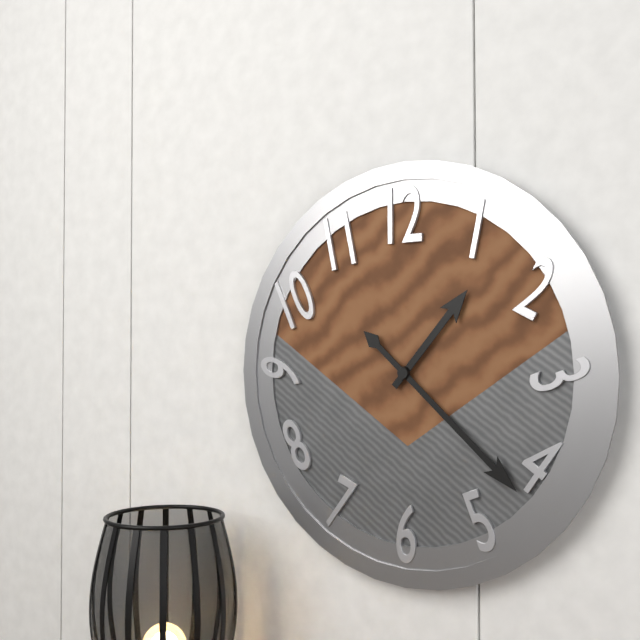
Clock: 1 h 22 min
